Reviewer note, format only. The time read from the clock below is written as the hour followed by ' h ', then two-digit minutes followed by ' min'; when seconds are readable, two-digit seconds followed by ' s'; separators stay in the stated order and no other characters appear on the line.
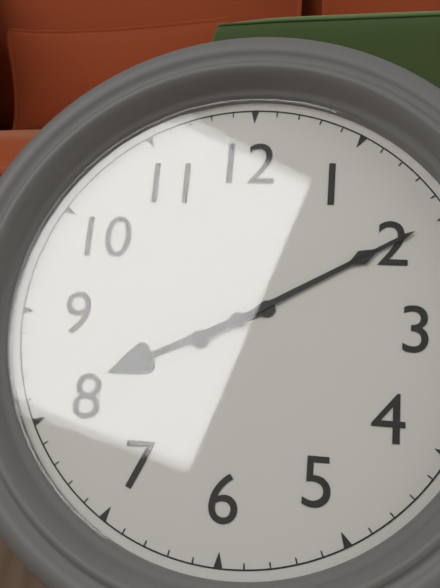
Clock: 8 h 10 min
